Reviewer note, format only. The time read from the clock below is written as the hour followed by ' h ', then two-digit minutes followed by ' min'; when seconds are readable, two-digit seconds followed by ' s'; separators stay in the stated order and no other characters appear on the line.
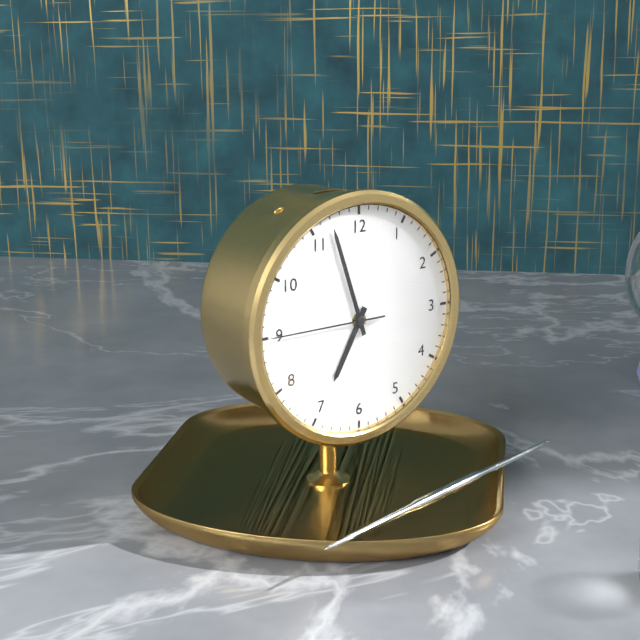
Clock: 6 h 57 min 45 s
